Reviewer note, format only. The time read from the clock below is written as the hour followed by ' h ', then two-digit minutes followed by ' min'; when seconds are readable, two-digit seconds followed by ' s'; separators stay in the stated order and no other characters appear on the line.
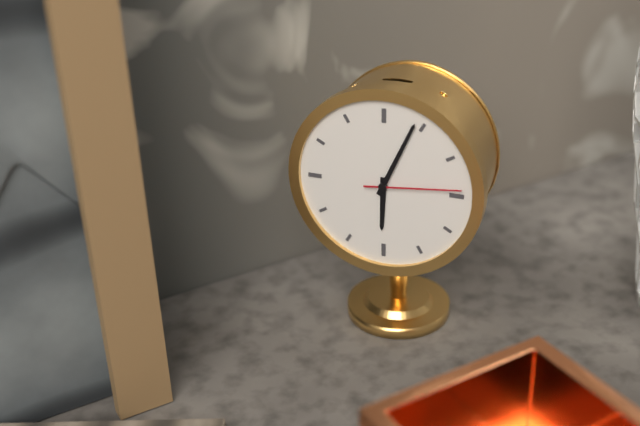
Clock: 6 h 04 min 14 s
